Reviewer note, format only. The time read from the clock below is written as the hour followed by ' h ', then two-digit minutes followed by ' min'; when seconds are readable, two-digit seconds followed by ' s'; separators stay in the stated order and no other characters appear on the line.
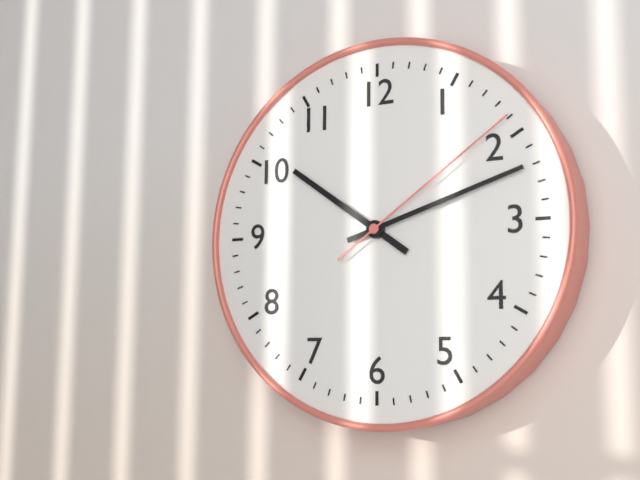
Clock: 10 h 12 min 09 s
